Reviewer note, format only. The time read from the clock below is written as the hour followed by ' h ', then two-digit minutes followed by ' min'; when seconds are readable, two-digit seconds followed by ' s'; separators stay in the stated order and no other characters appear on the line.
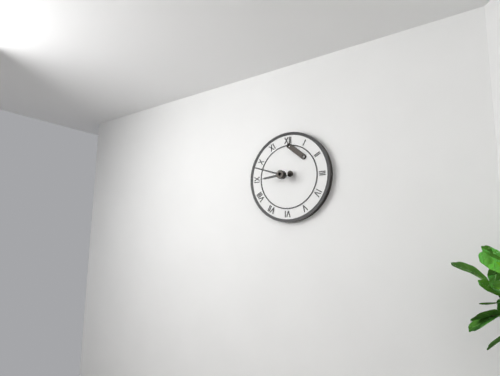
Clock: 8 h 48 min
